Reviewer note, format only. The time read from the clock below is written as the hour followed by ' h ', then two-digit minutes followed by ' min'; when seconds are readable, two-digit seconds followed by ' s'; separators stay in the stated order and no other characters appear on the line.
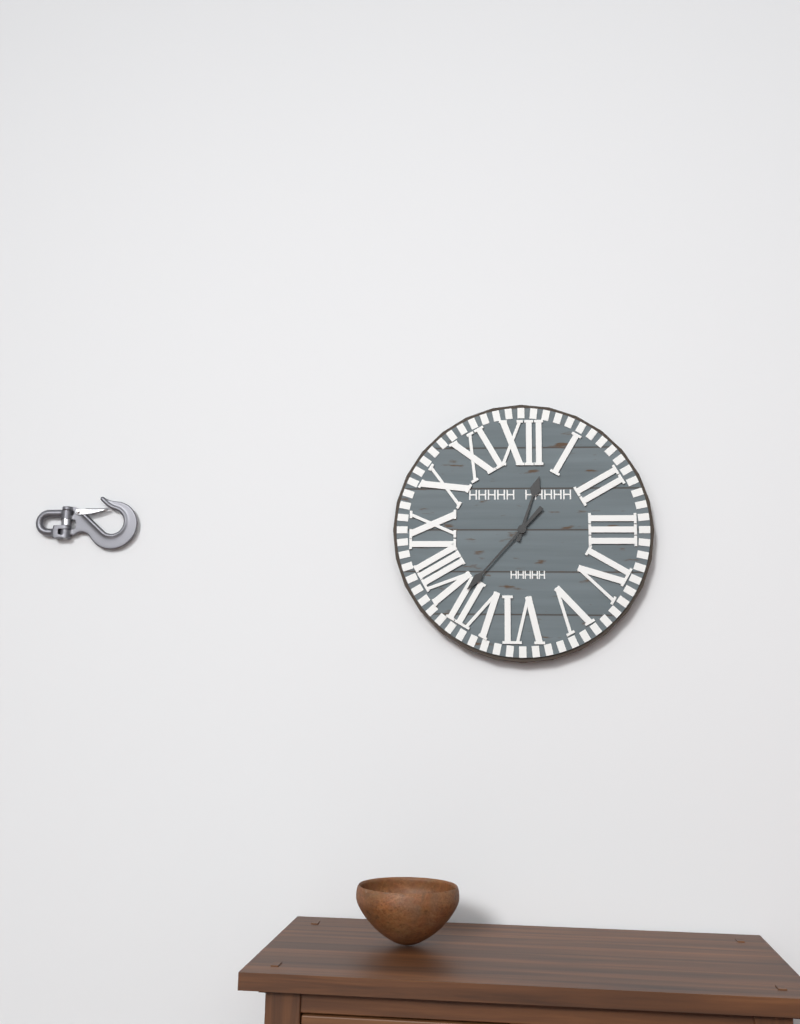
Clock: 12 h 37 min
